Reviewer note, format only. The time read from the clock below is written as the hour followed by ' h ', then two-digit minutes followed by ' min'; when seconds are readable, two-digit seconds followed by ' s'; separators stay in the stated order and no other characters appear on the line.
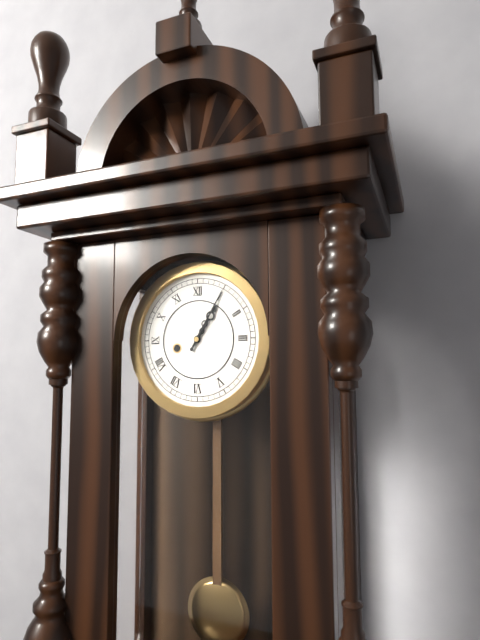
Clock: 1 h 05 min
